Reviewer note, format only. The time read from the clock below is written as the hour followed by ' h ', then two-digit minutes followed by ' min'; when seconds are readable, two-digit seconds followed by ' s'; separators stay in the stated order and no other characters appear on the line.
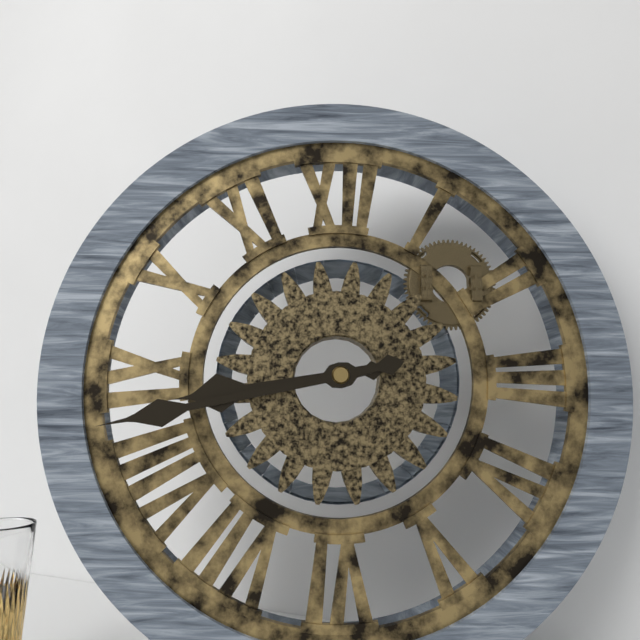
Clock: 8 h 43 min
